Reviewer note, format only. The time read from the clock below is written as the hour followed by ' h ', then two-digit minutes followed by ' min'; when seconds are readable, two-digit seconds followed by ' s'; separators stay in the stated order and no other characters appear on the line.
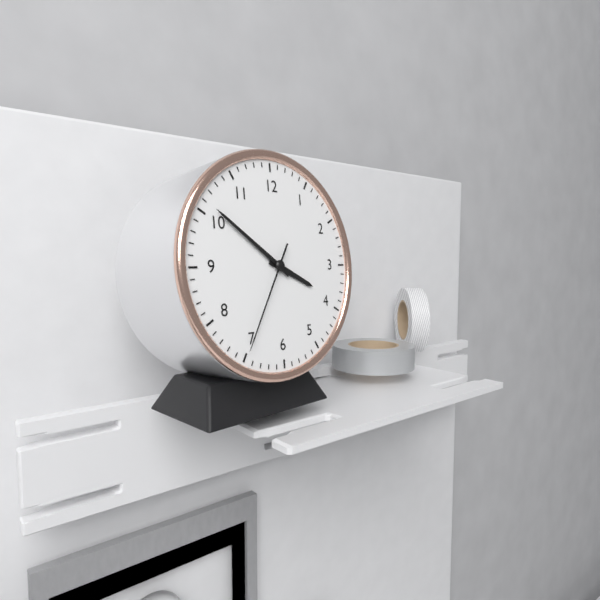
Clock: 3 h 51 min 35 s
